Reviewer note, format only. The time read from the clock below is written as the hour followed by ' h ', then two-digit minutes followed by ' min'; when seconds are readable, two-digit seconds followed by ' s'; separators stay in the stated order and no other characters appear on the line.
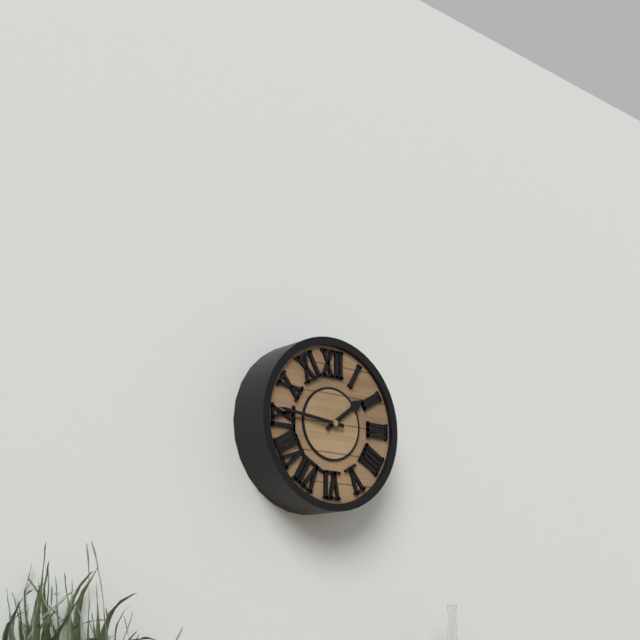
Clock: 1 h 46 min
